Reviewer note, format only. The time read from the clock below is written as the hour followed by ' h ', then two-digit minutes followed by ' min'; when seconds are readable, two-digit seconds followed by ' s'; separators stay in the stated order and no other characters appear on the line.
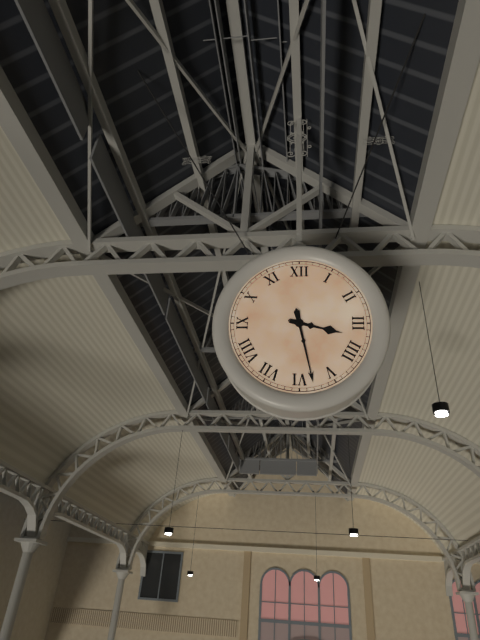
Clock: 3 h 28 min
